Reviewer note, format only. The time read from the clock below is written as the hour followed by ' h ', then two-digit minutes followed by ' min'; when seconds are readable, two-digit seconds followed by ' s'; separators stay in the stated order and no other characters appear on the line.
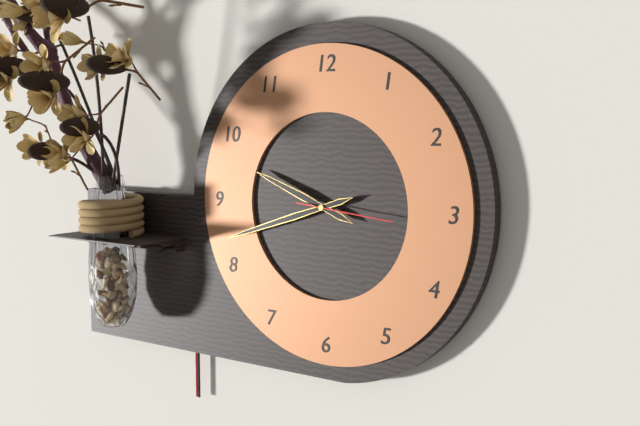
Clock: 9 h 42 min 16 s
